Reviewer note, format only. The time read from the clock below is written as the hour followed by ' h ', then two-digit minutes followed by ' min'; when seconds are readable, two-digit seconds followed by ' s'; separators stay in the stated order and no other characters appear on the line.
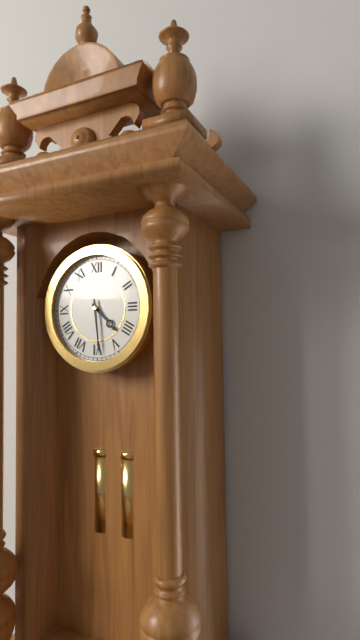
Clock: 4 h 29 min
